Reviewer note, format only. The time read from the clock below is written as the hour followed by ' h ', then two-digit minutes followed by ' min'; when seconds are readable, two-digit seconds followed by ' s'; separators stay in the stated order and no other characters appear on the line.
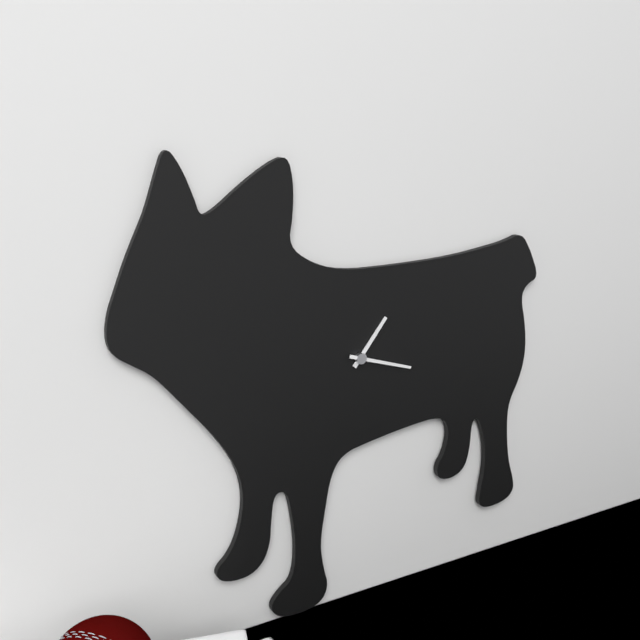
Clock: 1 h 18 min
